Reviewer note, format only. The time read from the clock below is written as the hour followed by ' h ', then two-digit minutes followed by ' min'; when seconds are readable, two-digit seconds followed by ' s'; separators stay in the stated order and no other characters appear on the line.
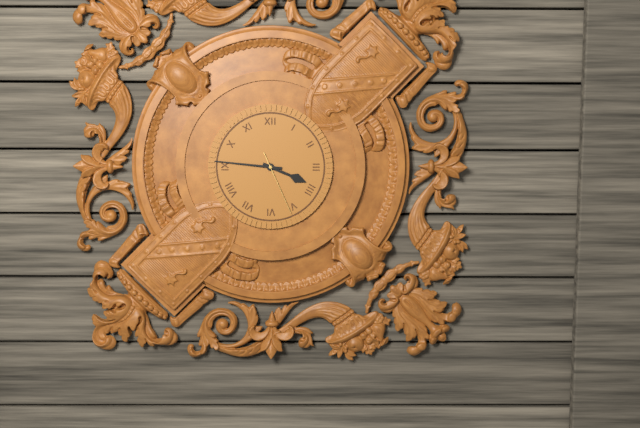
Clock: 3 h 46 min 26 s
